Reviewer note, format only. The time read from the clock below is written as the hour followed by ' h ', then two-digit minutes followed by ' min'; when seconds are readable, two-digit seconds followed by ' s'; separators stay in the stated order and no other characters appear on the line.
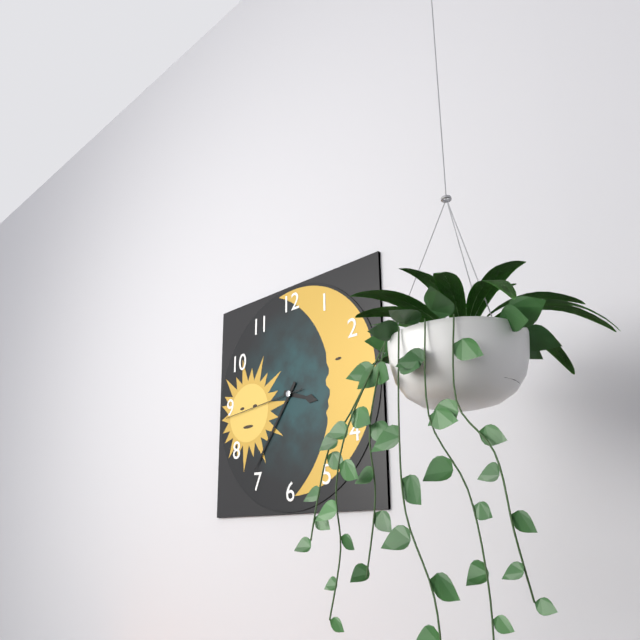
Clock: 3 h 36 min 44 s
